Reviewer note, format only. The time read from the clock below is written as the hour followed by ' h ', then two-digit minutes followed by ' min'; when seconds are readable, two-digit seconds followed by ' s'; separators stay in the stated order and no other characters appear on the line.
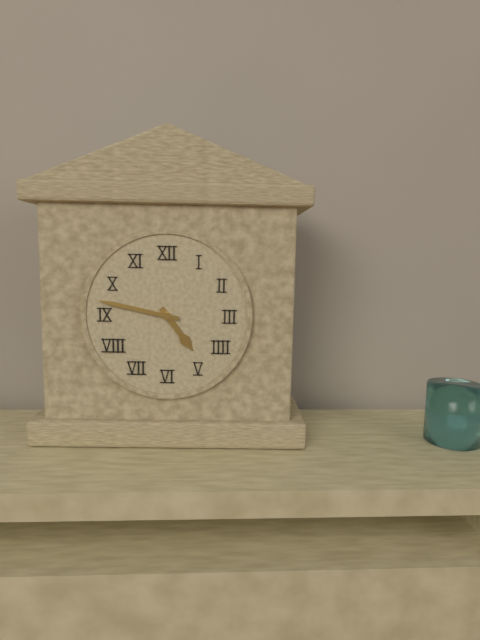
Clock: 4 h 47 min
